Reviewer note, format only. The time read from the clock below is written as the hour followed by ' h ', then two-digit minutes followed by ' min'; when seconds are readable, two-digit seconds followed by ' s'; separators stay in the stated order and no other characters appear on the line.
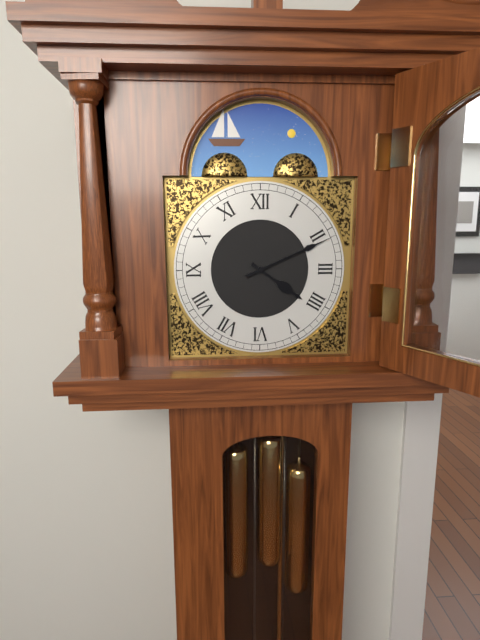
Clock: 4 h 11 min
